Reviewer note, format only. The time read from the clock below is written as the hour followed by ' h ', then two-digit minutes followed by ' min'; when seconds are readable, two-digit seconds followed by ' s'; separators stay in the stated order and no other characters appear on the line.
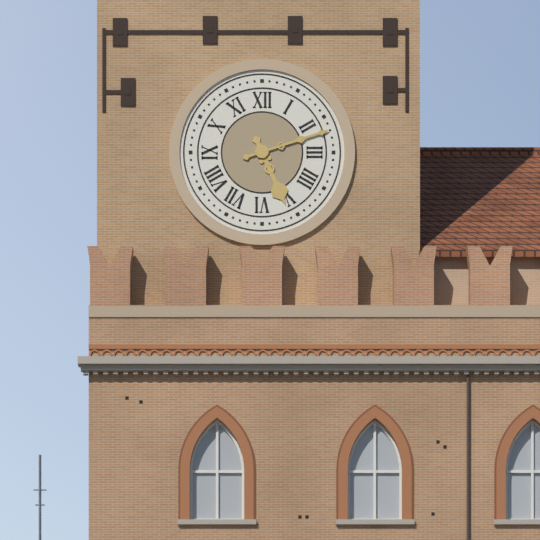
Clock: 5 h 12 min
